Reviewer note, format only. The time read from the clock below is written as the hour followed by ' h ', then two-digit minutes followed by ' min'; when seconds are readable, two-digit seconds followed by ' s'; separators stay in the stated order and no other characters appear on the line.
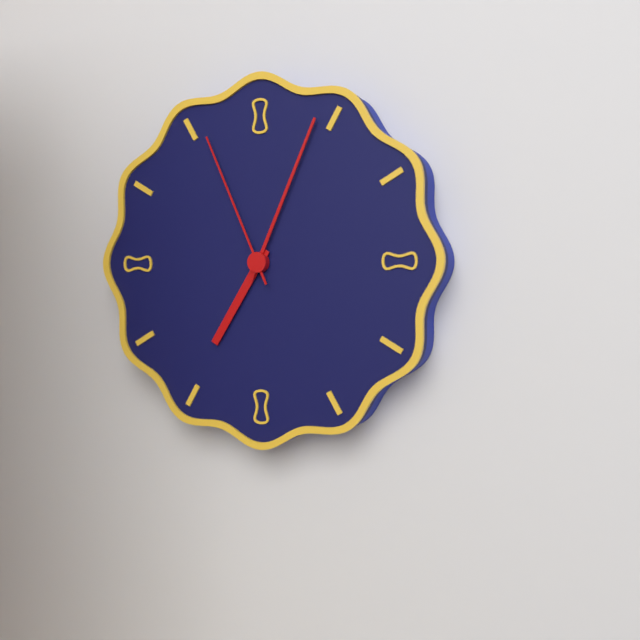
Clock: 7 h 04 min 56 s
